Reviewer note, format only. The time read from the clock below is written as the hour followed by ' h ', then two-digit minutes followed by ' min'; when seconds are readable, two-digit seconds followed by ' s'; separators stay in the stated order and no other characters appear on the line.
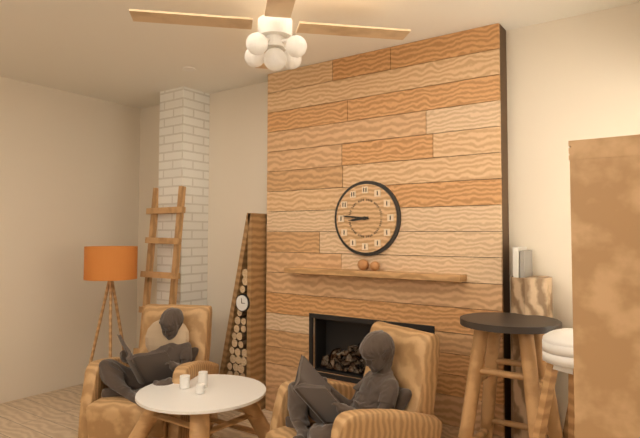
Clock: 8 h 46 min
